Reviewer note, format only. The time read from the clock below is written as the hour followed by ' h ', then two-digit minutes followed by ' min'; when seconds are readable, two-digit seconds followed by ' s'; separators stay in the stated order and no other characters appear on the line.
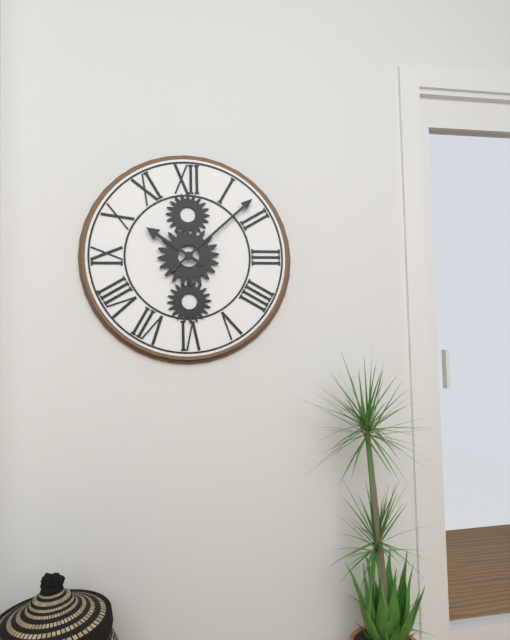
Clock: 10 h 08 min
